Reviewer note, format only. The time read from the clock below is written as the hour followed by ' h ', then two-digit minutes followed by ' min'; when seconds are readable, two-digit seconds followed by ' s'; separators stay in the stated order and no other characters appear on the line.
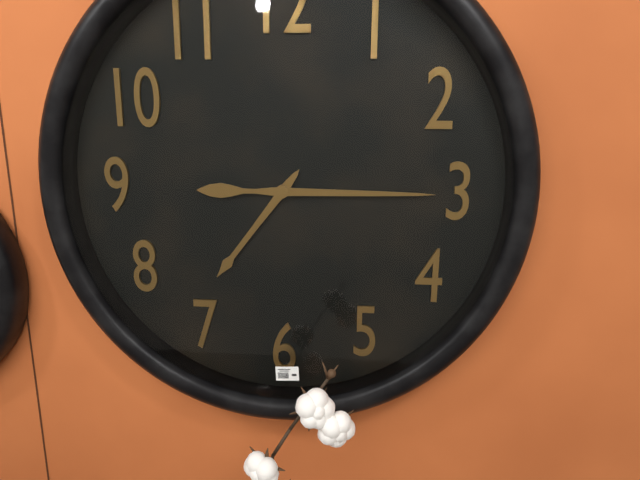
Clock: 7 h 15 min
